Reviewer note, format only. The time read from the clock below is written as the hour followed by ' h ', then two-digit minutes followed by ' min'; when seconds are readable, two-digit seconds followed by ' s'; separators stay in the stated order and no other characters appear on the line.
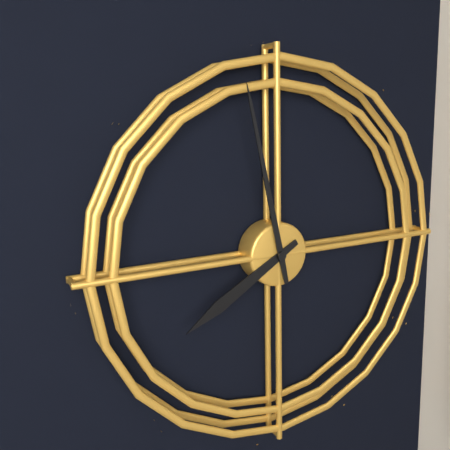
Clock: 7 h 58 min
